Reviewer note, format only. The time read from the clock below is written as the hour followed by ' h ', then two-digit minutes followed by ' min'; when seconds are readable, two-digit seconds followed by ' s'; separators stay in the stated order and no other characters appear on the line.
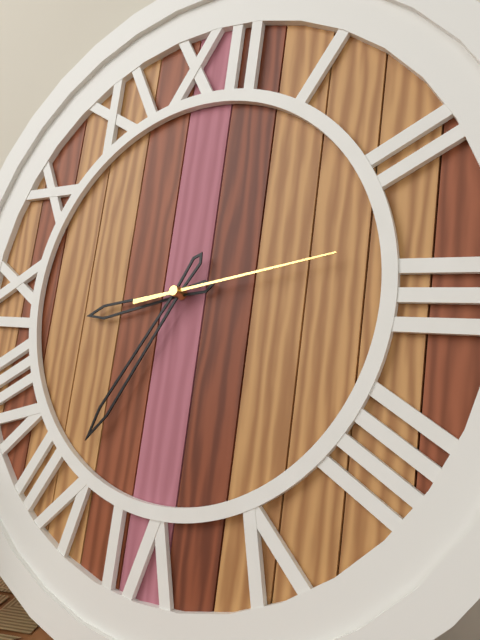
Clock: 8 h 35 min 13 s
